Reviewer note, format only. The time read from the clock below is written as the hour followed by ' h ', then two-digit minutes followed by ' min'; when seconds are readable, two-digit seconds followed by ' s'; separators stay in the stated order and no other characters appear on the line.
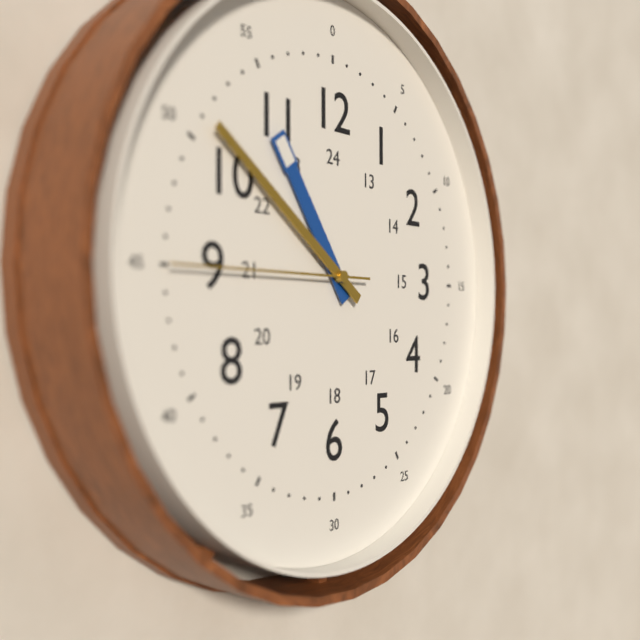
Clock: 10 h 51 min 45 s
